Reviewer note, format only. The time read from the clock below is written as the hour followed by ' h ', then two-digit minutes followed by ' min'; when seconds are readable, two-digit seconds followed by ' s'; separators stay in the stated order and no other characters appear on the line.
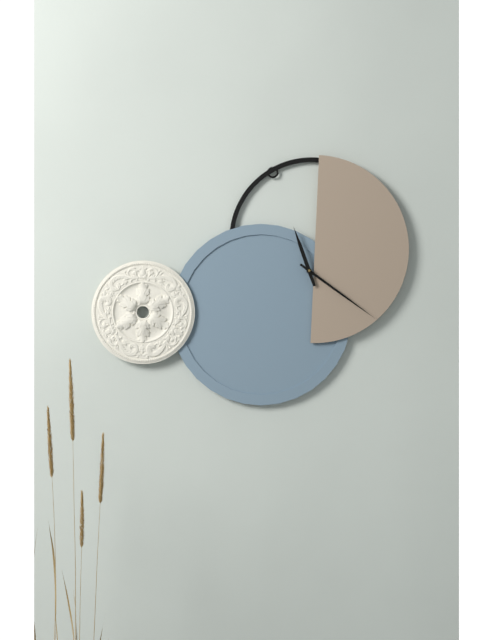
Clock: 11 h 21 min
